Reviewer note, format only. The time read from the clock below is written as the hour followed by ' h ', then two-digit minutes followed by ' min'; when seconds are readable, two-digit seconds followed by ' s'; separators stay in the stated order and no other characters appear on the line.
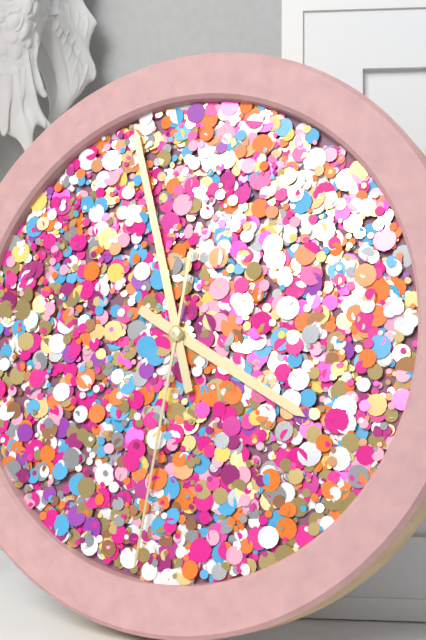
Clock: 3 h 57 min 31 s
